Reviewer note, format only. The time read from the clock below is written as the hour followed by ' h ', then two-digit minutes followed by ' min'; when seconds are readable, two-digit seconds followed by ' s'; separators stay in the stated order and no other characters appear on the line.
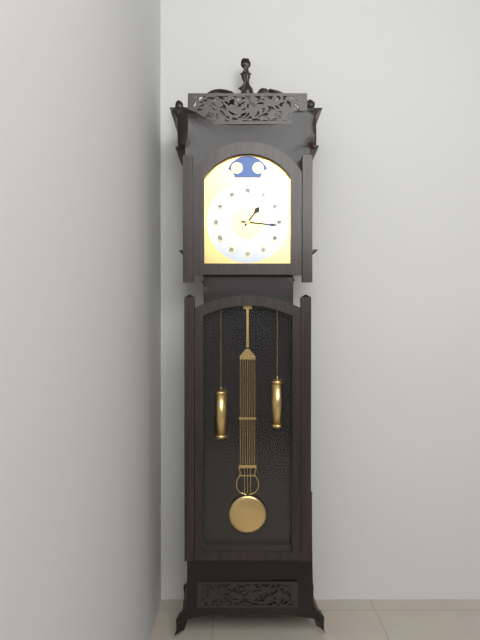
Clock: 1 h 16 min
